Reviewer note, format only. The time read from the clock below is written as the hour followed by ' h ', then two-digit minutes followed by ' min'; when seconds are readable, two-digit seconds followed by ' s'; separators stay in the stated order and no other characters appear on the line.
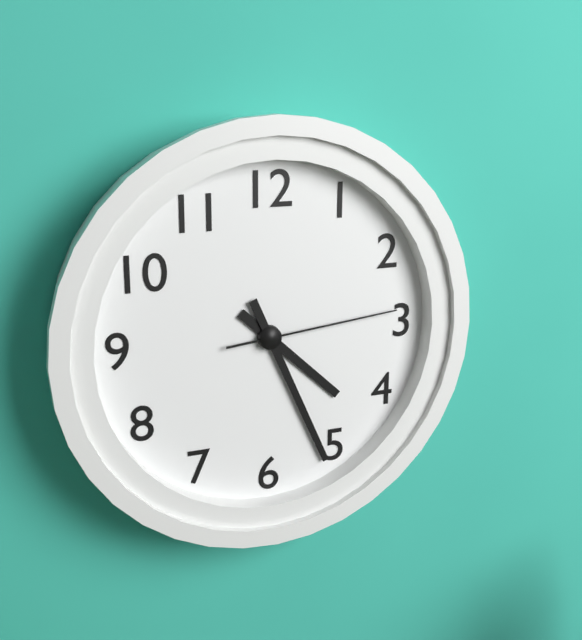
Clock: 4 h 26 min 14 s
